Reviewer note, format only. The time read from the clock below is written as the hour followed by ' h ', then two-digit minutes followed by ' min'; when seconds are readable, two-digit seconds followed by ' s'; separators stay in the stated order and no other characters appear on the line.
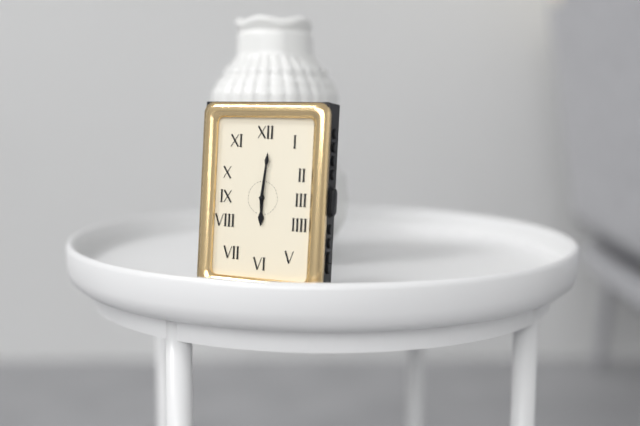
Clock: 6 h 01 min
